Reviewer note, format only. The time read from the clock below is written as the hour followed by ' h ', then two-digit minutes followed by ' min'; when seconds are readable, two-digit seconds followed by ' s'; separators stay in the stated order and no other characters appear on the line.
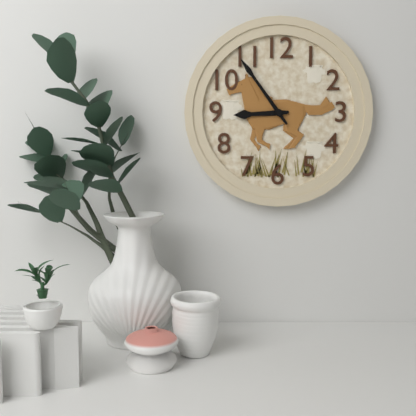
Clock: 8 h 54 min
